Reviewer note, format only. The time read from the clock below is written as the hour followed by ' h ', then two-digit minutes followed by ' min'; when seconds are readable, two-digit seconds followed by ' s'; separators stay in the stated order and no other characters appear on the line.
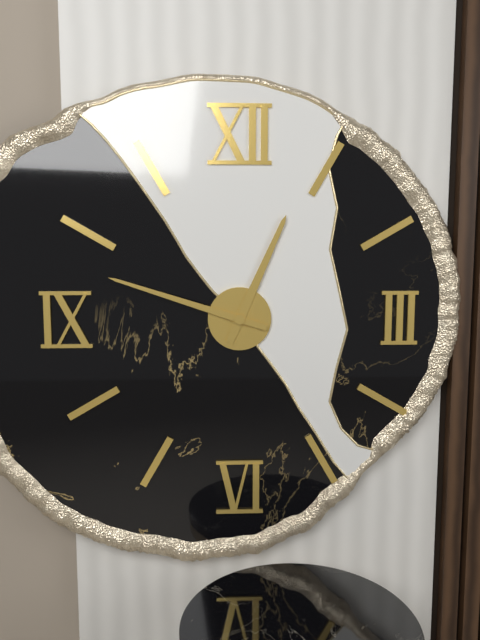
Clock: 12 h 48 min
